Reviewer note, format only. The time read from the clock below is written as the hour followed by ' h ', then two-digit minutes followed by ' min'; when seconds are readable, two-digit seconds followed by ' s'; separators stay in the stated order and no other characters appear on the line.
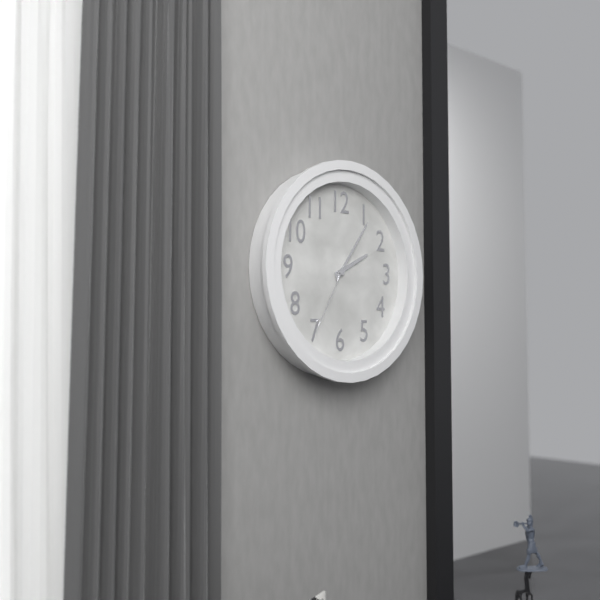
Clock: 2 h 06 min 35 s
